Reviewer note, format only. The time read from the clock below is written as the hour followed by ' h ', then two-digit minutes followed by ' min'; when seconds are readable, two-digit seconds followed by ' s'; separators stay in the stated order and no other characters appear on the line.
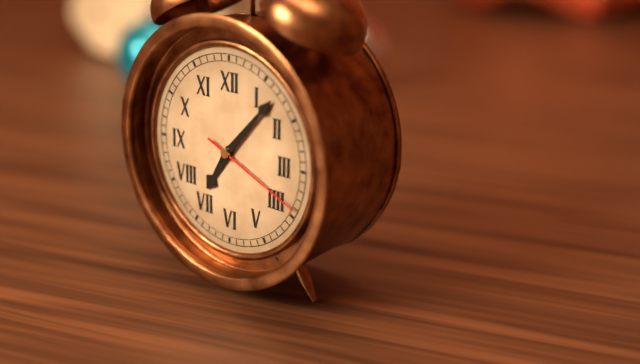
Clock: 7 h 07 min 19 s
